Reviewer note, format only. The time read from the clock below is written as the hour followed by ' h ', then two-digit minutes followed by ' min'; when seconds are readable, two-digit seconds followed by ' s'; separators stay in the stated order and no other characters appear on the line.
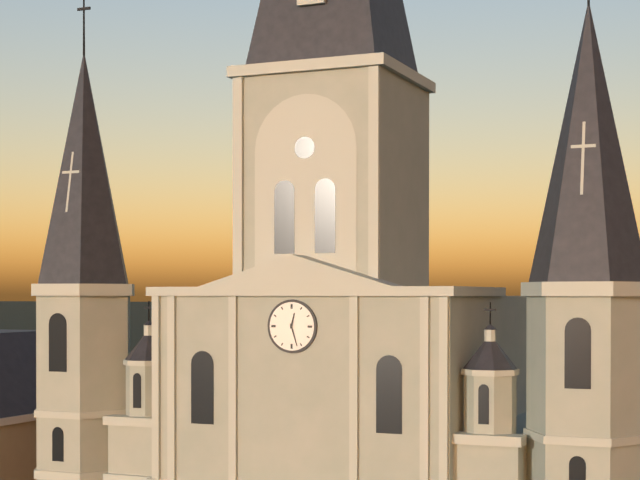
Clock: 12 h 27 min
